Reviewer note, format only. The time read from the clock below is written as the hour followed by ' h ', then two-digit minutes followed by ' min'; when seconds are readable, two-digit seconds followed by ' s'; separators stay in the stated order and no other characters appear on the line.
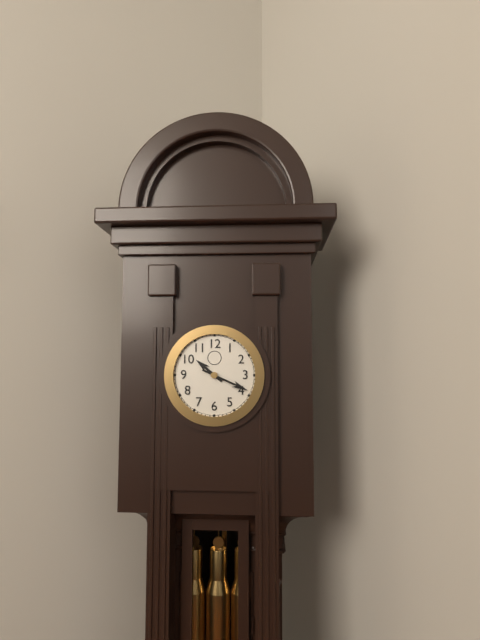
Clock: 10 h 19 min
